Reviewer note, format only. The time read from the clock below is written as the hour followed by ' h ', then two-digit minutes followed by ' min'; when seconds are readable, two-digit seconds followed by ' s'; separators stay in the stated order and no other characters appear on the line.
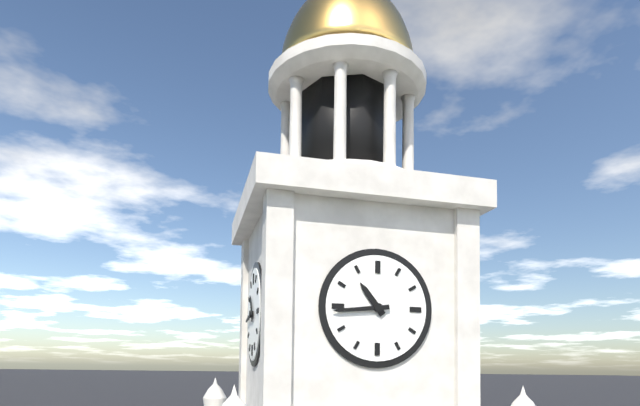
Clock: 10 h 44 min
